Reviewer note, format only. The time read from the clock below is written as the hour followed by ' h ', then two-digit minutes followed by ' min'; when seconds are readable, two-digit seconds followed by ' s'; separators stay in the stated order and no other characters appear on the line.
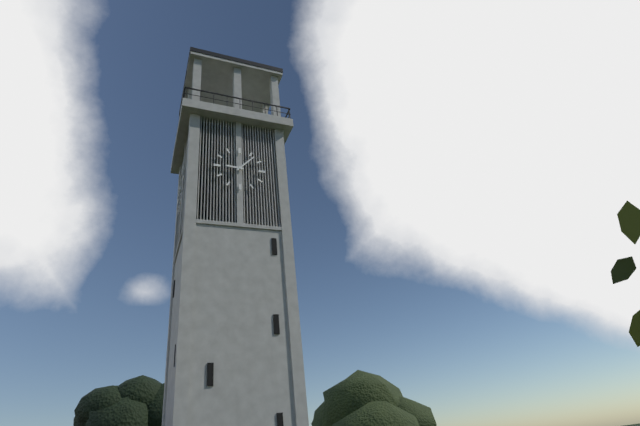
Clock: 9 h 07 min
